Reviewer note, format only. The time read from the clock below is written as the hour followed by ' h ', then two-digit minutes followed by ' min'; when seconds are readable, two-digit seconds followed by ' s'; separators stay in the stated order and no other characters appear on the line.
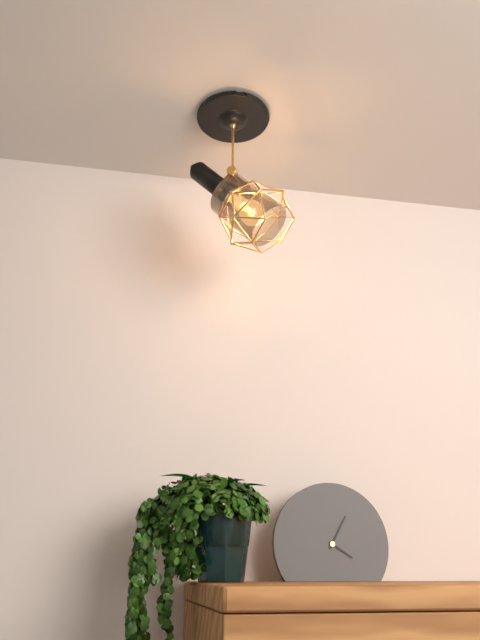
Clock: 4 h 05 min
